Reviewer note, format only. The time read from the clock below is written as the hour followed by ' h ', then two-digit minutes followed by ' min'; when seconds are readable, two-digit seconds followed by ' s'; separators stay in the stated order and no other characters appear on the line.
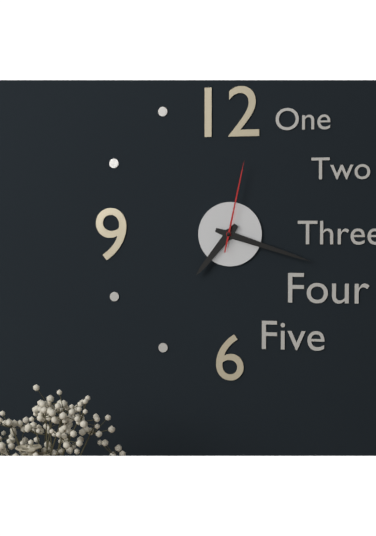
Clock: 7 h 18 min 02 s
